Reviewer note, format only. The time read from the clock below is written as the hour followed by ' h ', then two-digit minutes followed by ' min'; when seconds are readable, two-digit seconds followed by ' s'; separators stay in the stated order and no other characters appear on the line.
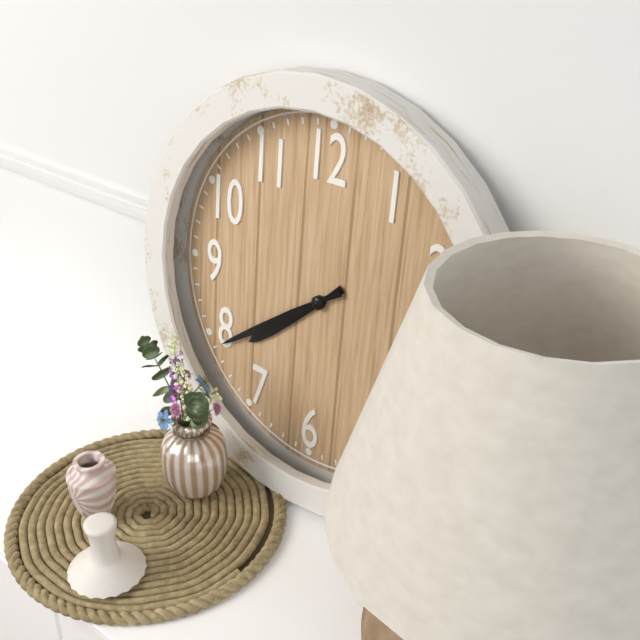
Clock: 7 h 39 min
